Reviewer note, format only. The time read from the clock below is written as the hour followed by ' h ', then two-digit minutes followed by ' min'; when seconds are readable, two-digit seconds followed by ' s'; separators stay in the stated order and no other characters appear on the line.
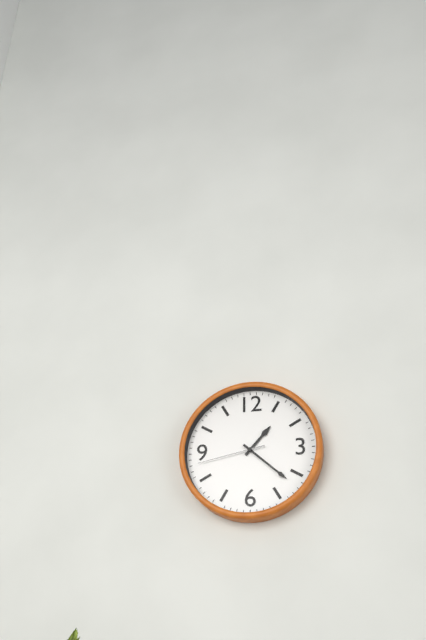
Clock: 1 h 22 min 43 s
